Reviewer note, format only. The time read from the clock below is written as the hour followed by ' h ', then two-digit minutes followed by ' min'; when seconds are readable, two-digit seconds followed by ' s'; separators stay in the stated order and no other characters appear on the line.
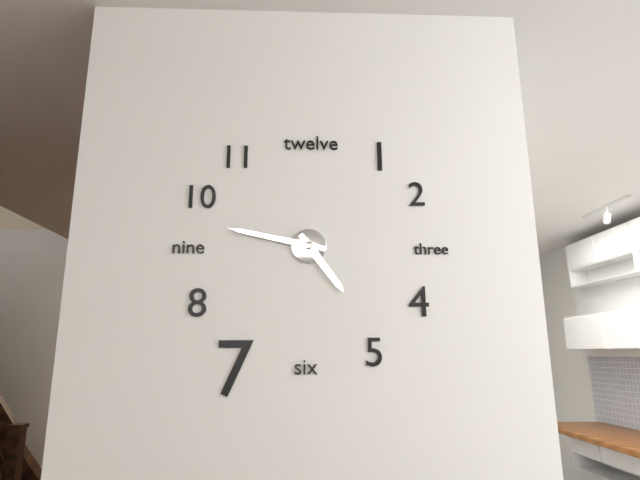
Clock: 4 h 47 min
